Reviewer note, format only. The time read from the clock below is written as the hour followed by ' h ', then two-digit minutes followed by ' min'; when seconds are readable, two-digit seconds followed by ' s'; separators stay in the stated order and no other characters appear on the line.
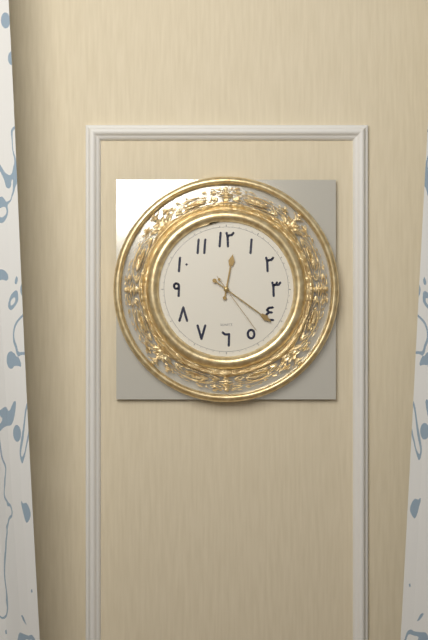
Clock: 12 h 21 min 24 s
